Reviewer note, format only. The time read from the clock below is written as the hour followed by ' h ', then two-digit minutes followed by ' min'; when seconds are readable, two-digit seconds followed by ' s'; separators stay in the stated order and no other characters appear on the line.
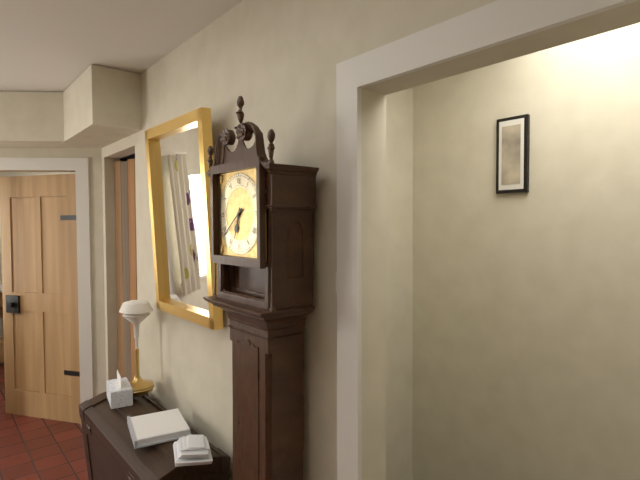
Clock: 6 h 39 min
